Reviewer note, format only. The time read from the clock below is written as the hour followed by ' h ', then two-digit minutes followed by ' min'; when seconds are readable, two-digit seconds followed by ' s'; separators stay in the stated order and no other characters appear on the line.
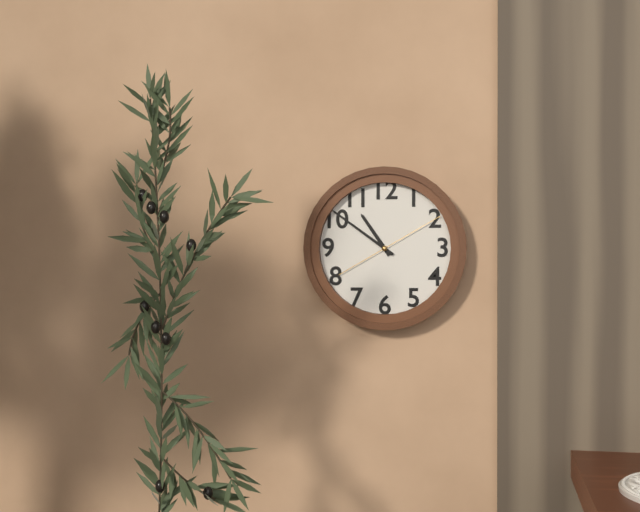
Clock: 10 h 51 min 10 s
